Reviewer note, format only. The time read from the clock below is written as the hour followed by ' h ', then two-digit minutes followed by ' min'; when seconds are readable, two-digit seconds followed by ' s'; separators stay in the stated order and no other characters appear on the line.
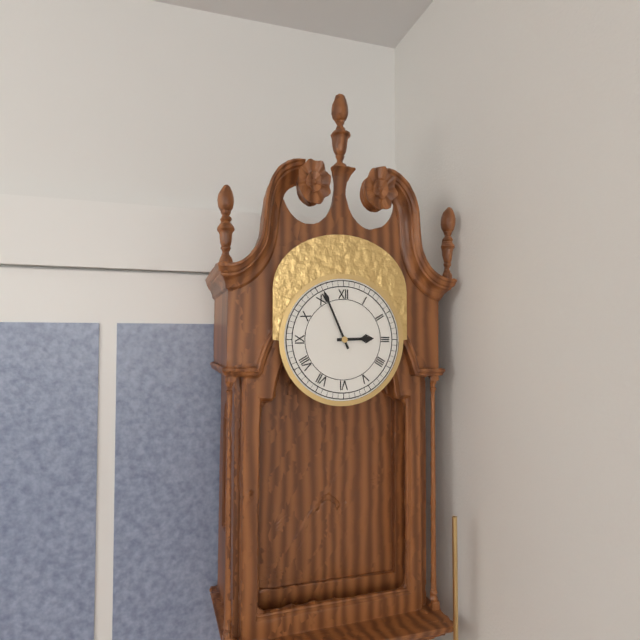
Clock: 2 h 56 min
